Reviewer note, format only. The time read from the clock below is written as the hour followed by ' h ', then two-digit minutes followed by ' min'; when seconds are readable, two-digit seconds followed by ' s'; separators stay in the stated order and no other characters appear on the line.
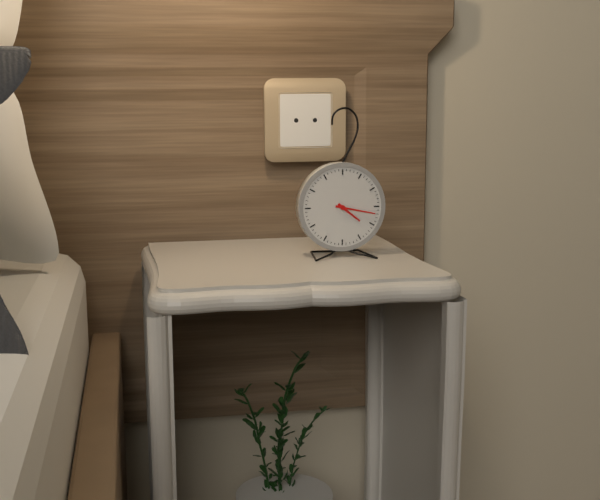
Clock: 4 h 17 min
